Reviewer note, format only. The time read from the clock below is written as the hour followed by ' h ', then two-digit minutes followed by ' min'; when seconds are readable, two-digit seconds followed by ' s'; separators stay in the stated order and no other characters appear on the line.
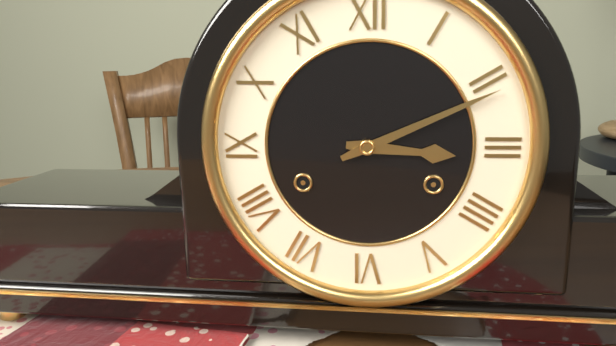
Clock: 3 h 11 min
